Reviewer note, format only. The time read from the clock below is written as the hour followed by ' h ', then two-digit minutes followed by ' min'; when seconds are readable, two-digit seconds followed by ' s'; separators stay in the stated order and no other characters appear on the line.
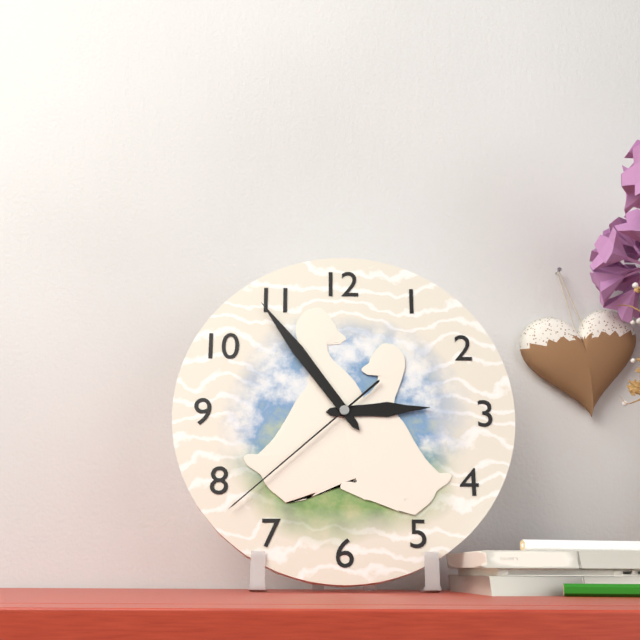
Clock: 2 h 54 min 38 s
